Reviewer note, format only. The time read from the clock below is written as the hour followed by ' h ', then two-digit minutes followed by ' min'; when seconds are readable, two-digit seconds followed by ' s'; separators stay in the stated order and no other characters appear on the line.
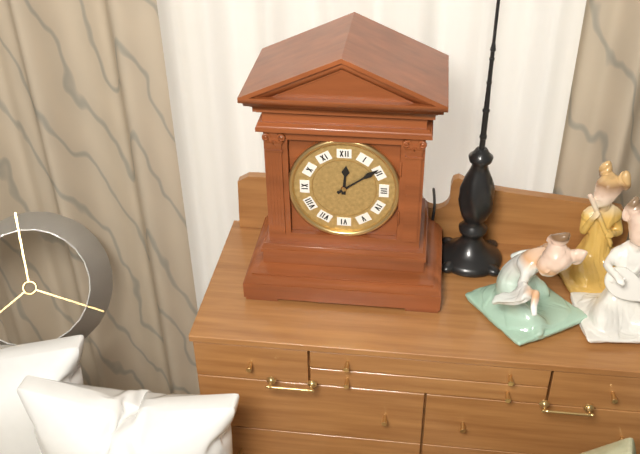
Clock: 12 h 09 min
